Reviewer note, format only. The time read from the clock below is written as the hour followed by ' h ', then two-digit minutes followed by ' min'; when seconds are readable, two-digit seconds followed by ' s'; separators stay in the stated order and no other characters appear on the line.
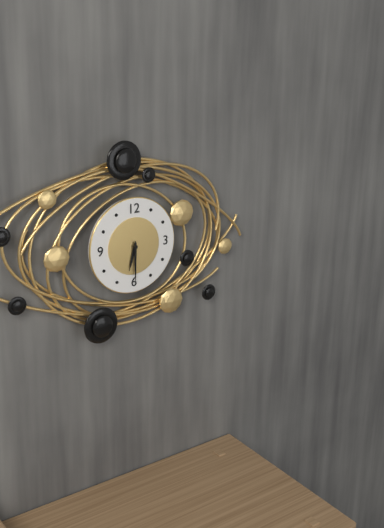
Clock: 6 h 30 min
